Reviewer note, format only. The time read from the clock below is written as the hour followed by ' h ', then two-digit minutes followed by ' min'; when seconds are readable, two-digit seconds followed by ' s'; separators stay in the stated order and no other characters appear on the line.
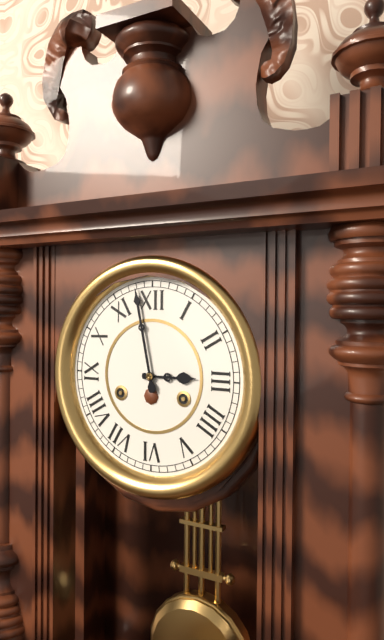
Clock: 2 h 58 min
